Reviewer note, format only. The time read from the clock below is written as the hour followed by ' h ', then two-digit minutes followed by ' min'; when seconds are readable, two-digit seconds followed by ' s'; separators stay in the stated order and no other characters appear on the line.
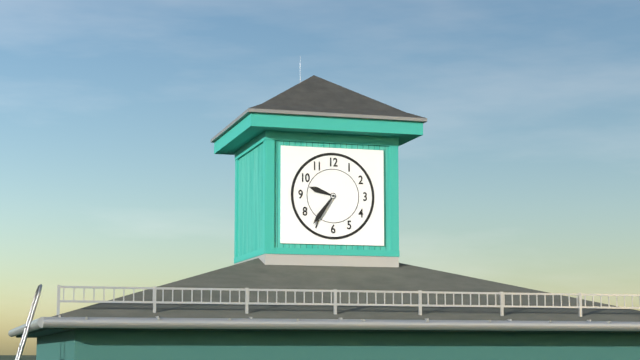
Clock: 9 h 36 min
